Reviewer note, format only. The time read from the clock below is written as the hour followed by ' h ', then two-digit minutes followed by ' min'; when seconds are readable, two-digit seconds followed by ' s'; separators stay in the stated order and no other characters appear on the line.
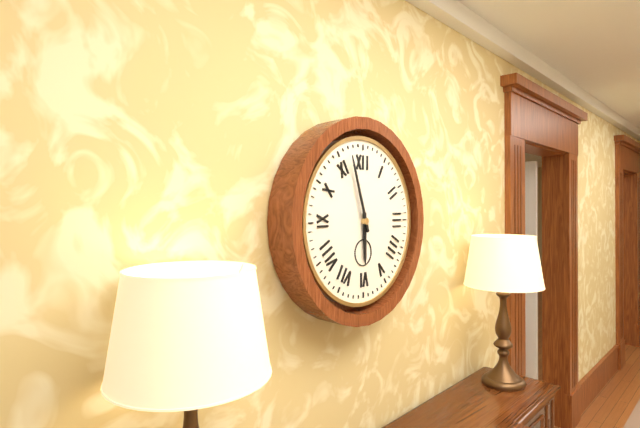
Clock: 5 h 57 min
